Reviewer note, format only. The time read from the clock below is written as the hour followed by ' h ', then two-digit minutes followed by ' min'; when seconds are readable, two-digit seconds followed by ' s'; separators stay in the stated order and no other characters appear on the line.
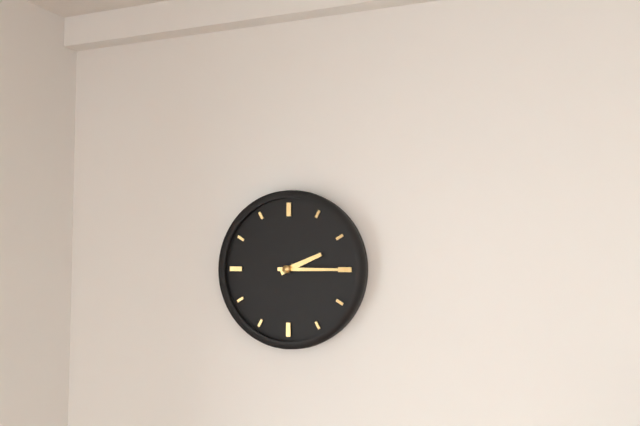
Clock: 2 h 15 min
